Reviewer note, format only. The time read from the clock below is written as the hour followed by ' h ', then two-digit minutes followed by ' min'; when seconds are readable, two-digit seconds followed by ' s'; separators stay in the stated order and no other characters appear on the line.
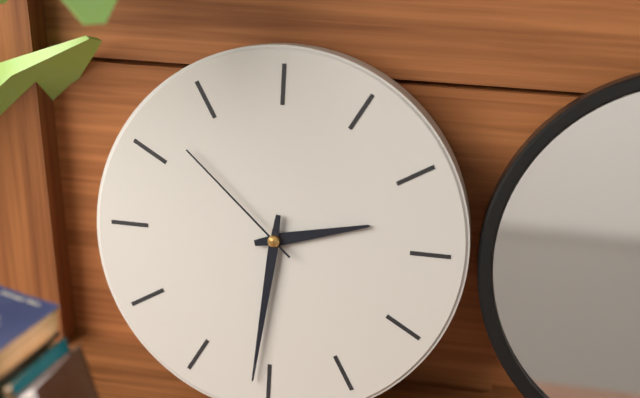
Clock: 2 h 31 min 52 s
